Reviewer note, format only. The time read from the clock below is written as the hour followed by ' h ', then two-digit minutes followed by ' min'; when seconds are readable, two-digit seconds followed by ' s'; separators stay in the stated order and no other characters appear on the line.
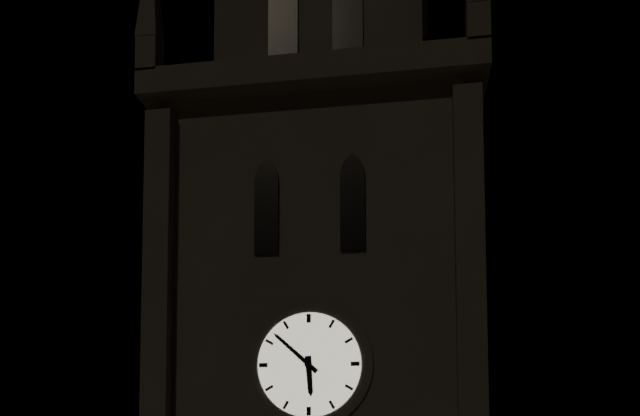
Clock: 5 h 52 min
